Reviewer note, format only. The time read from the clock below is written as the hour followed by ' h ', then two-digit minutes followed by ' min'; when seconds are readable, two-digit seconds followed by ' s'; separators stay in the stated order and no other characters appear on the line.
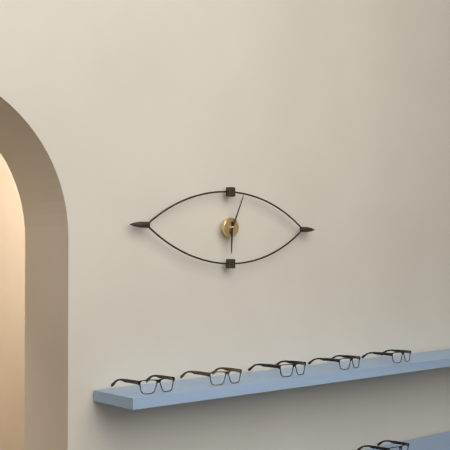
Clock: 6 h 04 min
